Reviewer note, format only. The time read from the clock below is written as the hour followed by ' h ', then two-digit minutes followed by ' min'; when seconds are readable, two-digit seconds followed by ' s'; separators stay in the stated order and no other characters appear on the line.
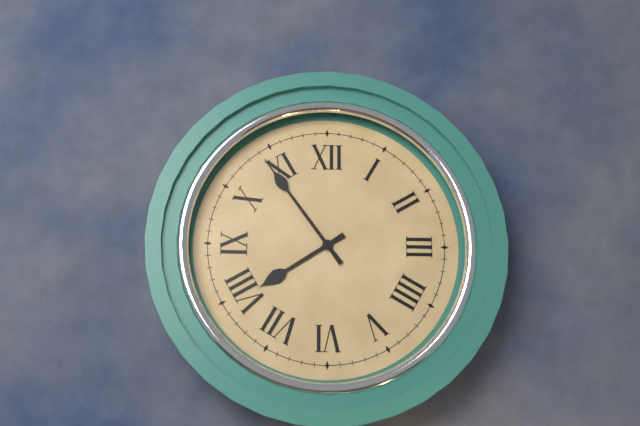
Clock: 7 h 54 min
